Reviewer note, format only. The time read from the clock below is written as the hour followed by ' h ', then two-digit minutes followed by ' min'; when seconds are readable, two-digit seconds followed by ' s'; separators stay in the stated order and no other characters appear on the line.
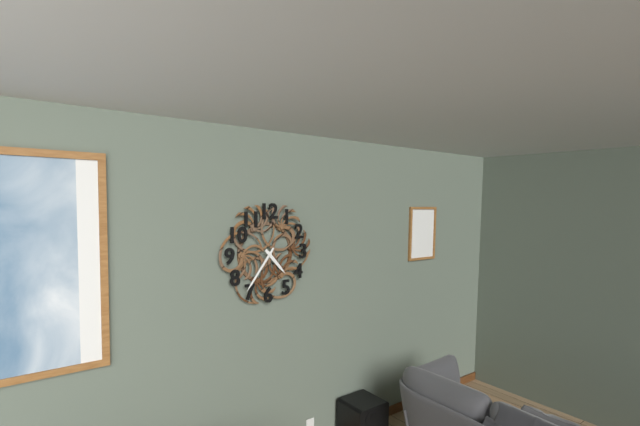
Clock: 4 h 36 min
